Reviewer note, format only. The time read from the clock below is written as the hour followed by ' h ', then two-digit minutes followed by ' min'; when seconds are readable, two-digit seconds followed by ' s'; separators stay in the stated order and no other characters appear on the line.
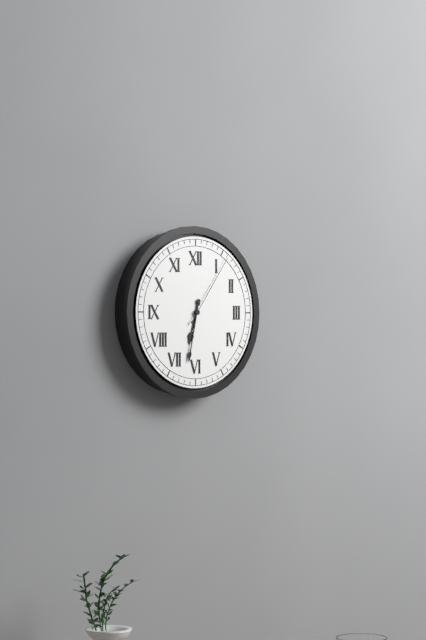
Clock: 6 h 32 min 06 s
